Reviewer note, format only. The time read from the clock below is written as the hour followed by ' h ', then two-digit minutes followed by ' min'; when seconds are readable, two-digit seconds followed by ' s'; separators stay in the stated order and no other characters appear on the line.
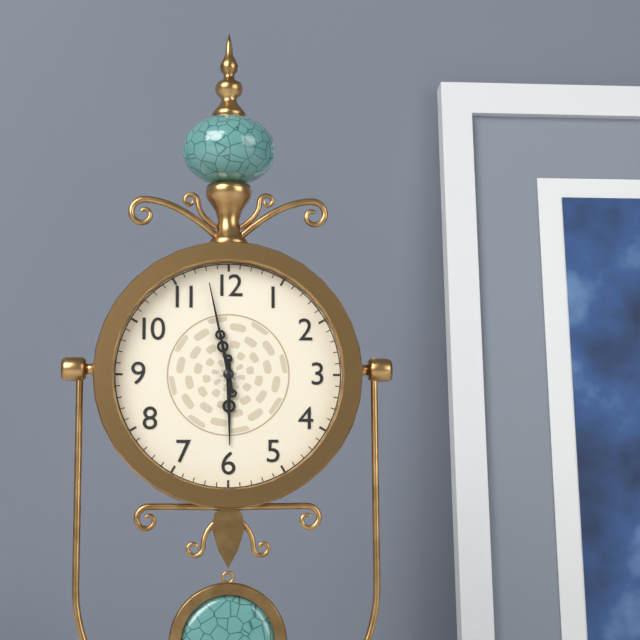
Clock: 5 h 58 min
